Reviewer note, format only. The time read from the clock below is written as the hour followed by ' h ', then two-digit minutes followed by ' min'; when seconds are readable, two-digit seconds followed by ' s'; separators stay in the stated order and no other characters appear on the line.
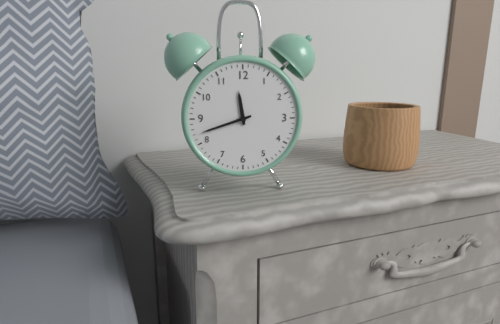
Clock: 11 h 42 min
